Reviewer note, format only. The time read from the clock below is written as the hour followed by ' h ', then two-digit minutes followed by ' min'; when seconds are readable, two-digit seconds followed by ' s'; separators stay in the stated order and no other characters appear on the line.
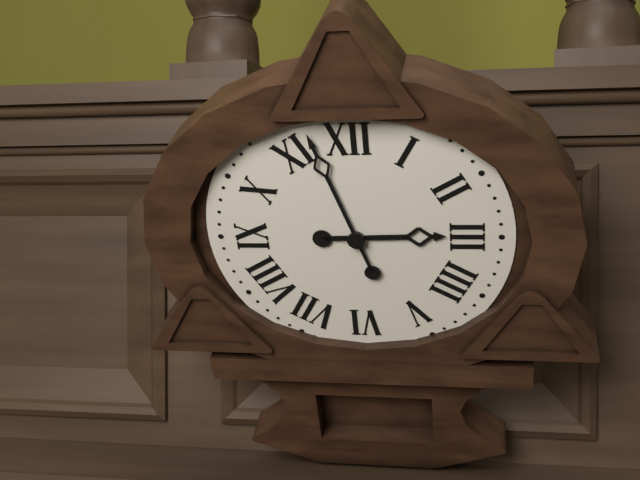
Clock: 2 h 57 min
